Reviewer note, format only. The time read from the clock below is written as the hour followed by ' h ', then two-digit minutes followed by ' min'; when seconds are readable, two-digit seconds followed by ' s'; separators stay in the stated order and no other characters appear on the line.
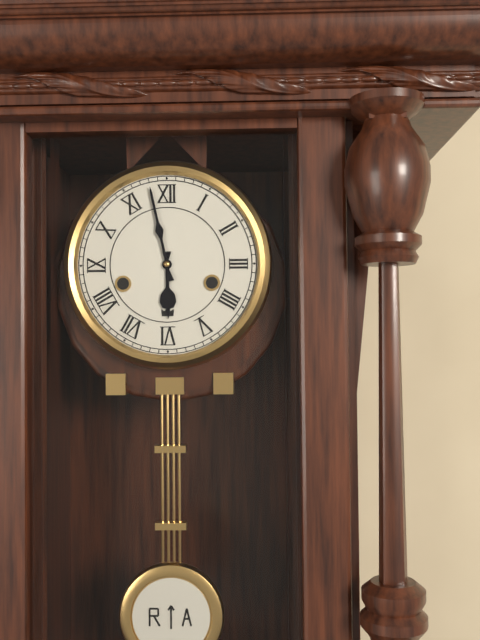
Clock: 5 h 58 min
